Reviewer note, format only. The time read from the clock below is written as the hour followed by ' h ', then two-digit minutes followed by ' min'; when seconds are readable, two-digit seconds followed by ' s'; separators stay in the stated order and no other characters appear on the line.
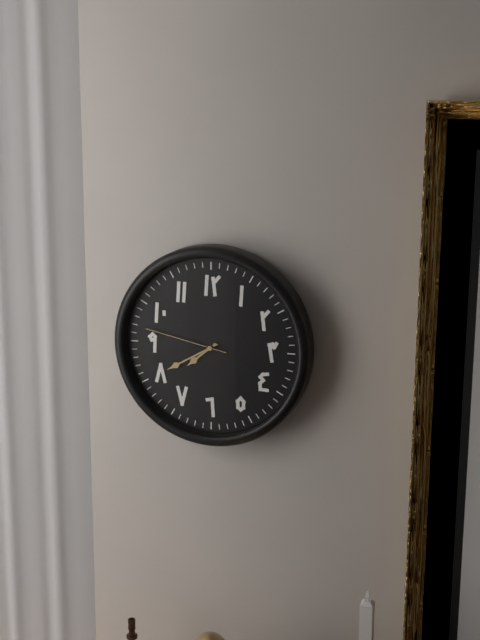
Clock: 7 h 40 min 47 s
